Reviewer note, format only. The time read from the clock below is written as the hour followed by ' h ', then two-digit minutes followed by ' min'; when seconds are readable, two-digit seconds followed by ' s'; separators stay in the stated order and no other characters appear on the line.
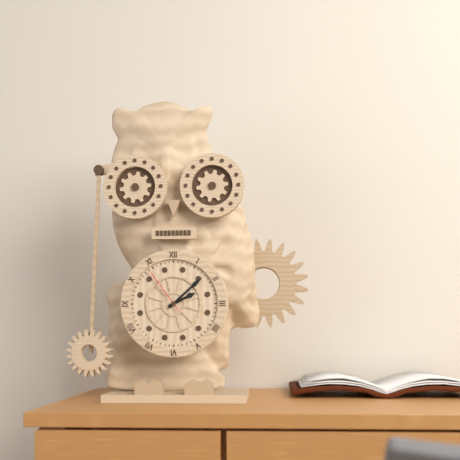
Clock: 2 h 08 min 54 s
